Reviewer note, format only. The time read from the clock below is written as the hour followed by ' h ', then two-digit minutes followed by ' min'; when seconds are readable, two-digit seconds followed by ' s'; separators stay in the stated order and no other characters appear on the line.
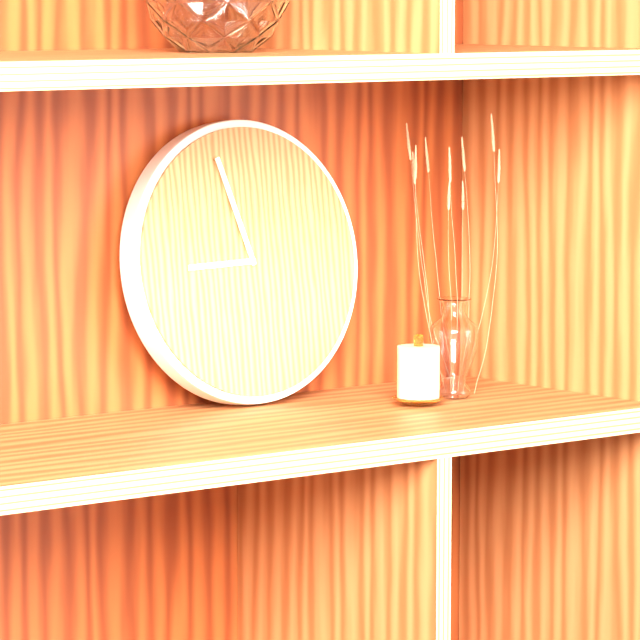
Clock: 8 h 57 min
